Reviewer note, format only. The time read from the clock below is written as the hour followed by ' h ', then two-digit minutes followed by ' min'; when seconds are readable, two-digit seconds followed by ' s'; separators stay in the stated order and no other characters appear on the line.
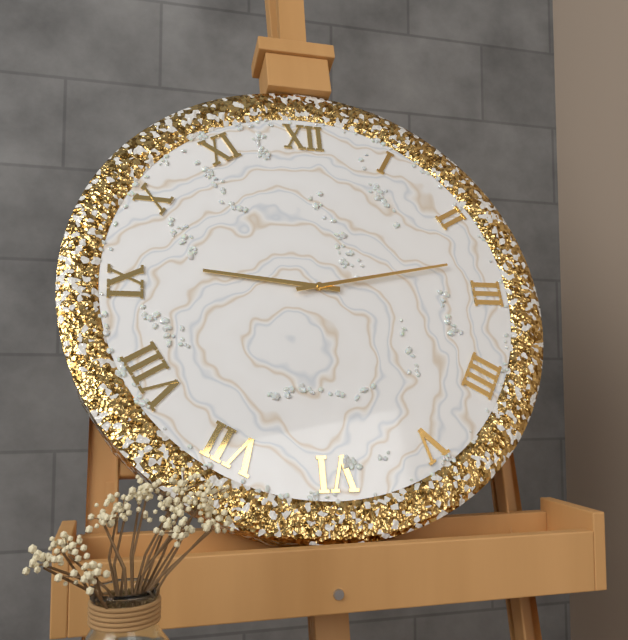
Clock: 9 h 13 min
